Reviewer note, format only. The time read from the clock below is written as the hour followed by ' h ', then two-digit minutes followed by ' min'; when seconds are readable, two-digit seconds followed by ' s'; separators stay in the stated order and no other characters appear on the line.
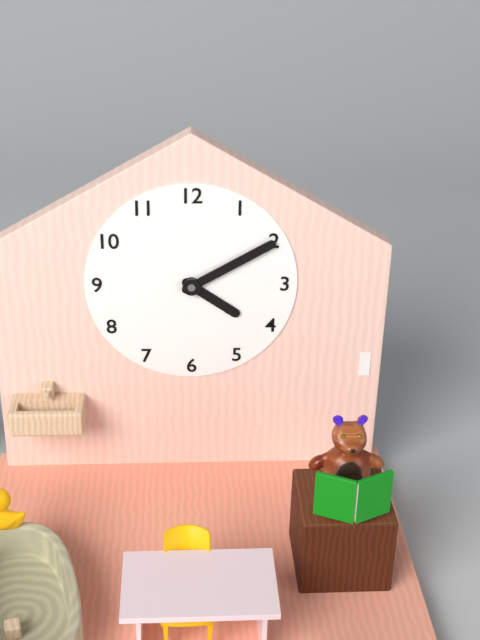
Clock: 4 h 10 min
